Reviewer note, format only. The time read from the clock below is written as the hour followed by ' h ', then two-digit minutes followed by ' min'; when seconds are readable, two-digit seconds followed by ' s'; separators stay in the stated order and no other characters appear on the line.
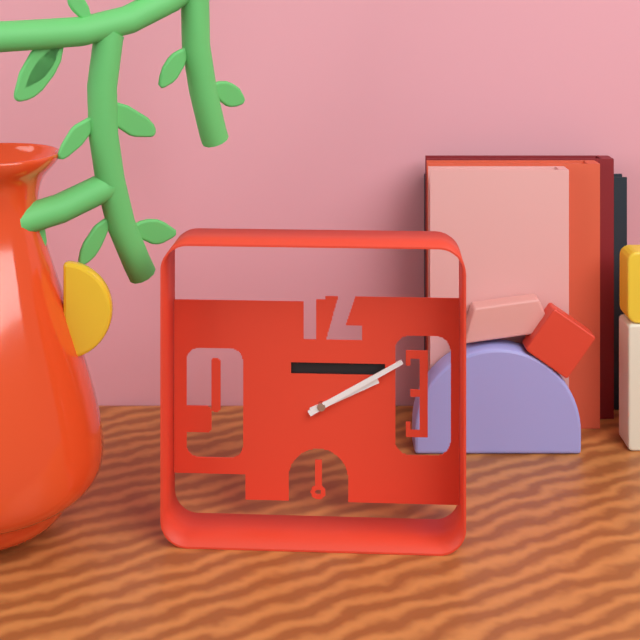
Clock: 2 h 10 min
